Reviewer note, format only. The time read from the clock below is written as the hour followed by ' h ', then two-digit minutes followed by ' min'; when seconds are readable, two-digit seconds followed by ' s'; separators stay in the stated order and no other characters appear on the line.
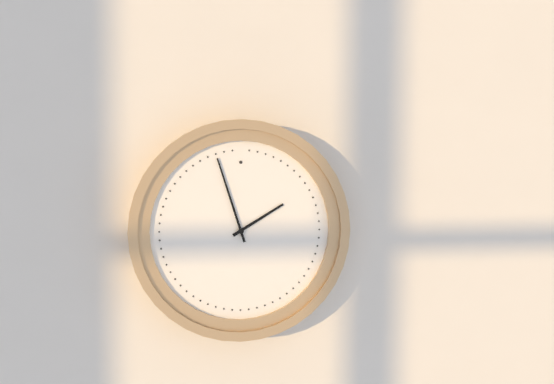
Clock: 1 h 57 min
